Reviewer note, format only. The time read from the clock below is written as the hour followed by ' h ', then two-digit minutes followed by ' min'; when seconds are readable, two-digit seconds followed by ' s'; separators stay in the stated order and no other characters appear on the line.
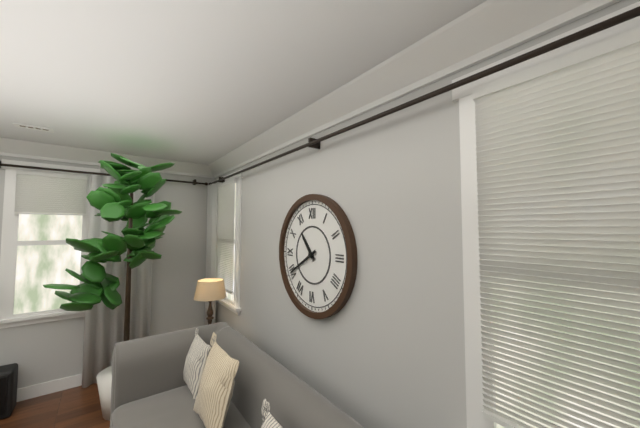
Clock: 10 h 40 min
